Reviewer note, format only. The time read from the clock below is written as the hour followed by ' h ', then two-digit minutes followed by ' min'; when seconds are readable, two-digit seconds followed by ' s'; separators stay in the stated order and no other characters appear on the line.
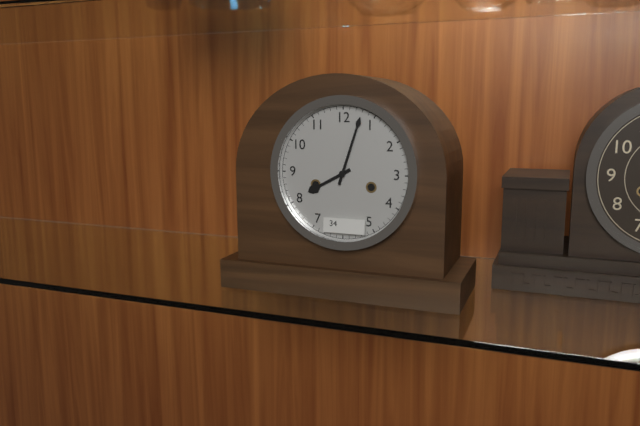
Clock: 8 h 03 min
